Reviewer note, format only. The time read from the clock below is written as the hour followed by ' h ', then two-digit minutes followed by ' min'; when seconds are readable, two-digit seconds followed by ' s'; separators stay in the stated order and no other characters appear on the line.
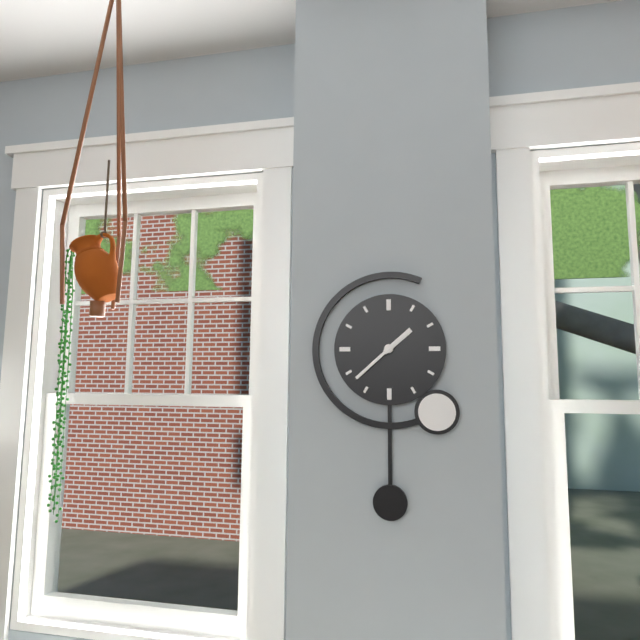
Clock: 1 h 38 min
